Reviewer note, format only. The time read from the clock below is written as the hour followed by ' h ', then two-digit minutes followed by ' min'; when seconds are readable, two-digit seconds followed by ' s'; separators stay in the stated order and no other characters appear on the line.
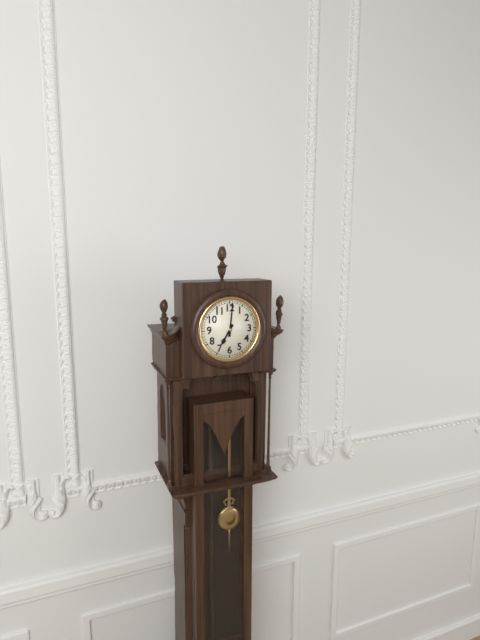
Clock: 7 h 01 min
